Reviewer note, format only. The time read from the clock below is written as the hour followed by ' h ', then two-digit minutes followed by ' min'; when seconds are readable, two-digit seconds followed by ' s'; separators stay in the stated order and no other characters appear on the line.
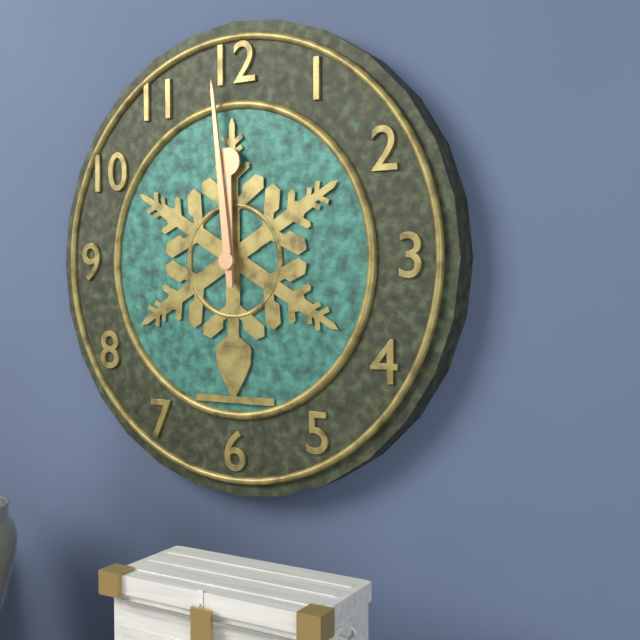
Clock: 11 h 59 min
